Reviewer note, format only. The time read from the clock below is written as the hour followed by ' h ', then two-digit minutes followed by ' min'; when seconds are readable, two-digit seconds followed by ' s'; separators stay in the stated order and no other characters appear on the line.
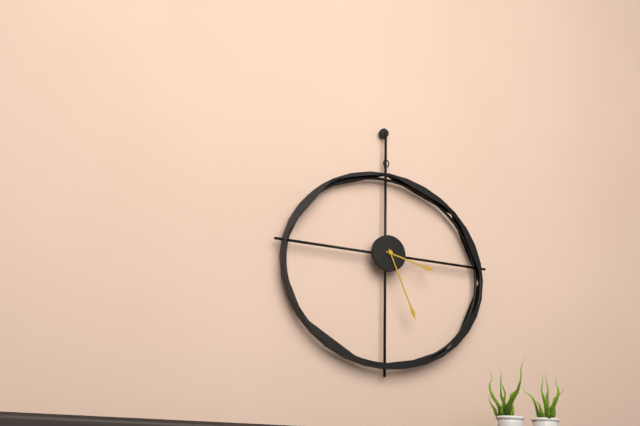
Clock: 3 h 26 min
